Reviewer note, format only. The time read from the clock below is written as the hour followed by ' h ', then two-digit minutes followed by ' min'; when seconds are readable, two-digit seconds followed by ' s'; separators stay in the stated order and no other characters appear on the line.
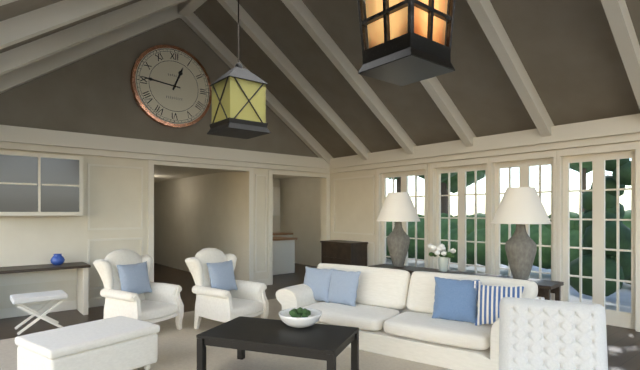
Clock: 12 h 46 min
